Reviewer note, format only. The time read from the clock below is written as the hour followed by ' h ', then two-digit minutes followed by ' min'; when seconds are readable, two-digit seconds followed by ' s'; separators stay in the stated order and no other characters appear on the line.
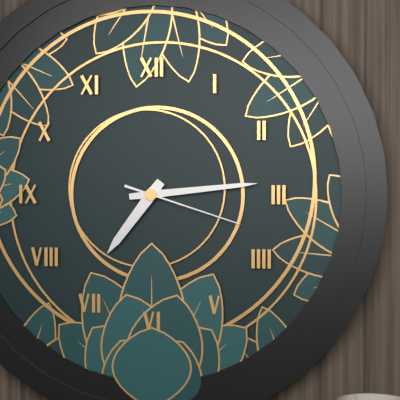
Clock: 7 h 14 min 18 s
